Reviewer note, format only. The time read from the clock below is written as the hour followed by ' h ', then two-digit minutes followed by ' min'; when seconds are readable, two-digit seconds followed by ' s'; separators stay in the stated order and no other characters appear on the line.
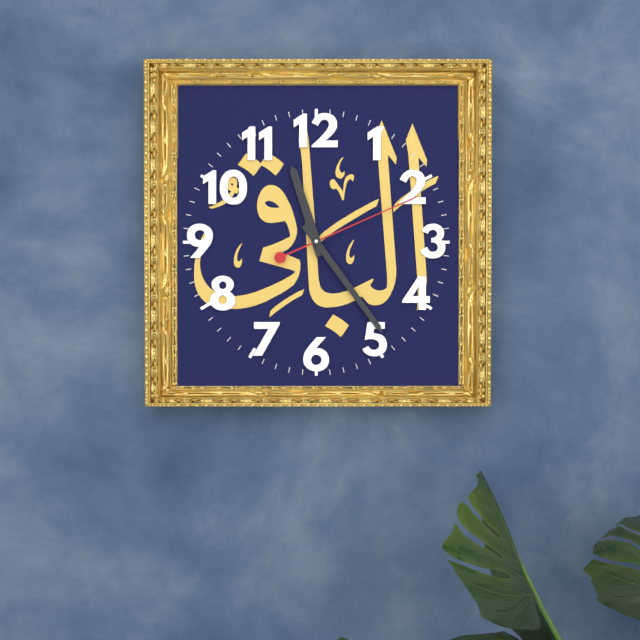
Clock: 11 h 24 min 11 s
